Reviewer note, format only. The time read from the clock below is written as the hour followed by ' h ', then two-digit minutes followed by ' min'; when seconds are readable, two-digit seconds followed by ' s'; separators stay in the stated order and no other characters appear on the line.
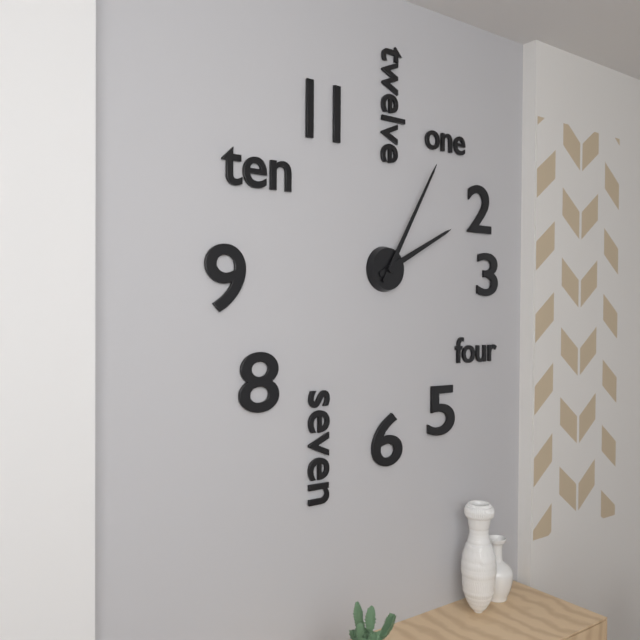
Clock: 2 h 05 min
